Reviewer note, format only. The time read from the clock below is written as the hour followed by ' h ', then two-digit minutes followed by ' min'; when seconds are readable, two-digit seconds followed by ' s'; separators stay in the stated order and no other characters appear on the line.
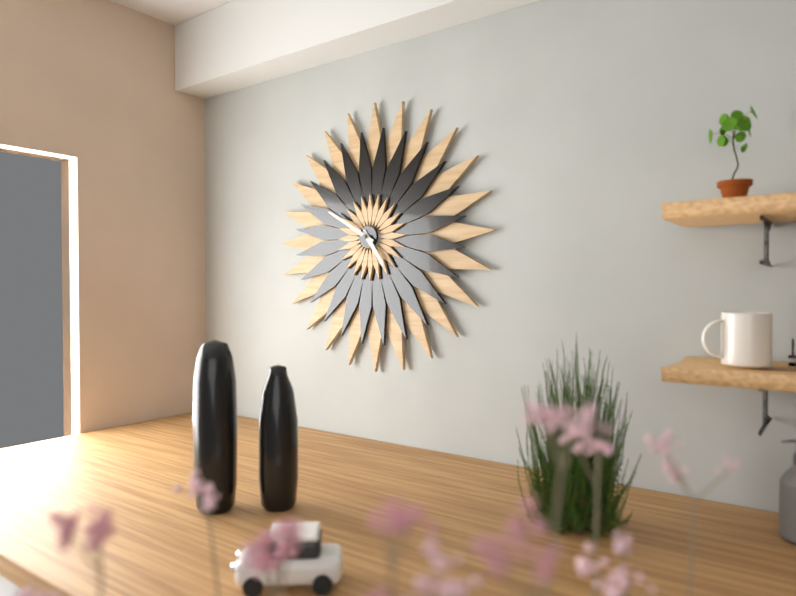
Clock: 4 h 50 min
